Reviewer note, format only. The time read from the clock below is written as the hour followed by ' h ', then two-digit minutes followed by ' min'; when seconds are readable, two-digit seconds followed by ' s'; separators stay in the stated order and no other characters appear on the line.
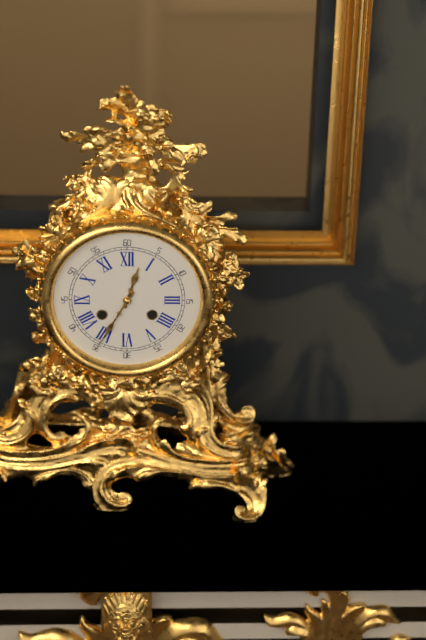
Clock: 12 h 35 min
